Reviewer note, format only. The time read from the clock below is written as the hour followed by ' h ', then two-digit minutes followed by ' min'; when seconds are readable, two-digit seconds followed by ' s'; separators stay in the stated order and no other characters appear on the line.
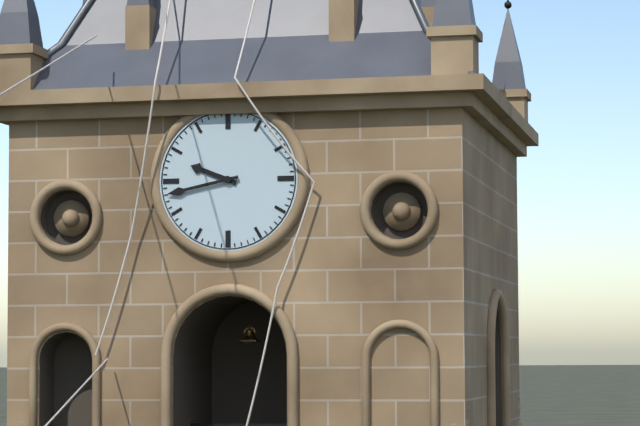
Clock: 9 h 43 min
